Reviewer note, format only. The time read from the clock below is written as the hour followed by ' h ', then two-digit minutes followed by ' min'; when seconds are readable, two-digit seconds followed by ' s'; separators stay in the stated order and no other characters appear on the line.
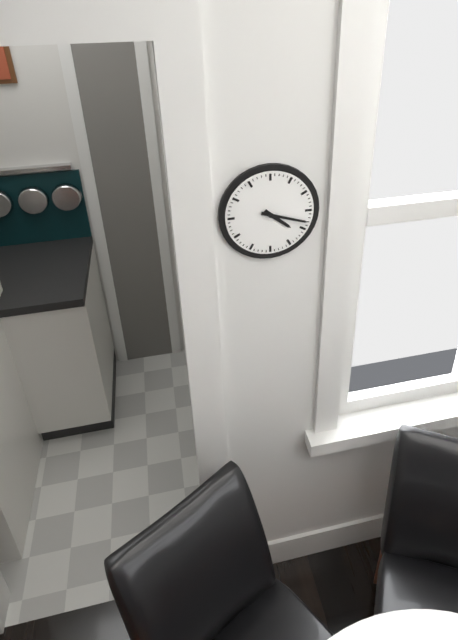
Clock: 4 h 18 min
